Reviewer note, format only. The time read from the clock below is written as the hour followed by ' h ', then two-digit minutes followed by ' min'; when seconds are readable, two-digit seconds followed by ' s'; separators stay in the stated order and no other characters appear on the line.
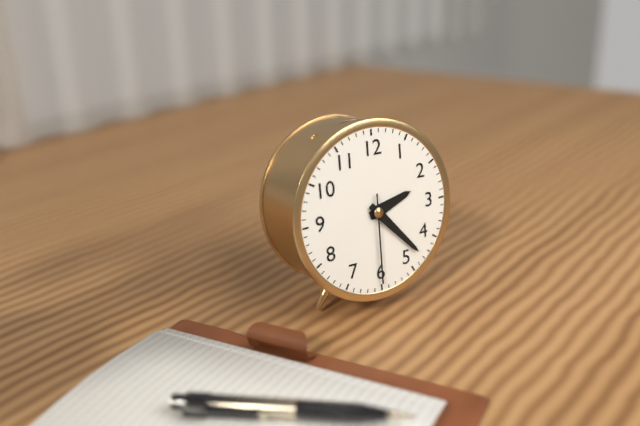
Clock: 2 h 23 min 30 s
